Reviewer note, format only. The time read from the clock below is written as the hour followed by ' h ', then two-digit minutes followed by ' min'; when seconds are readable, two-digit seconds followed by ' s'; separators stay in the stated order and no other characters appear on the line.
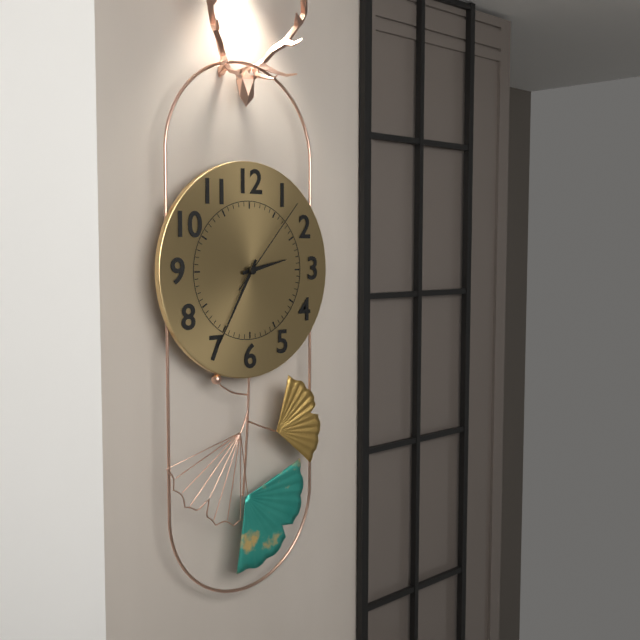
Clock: 2 h 35 min 07 s
